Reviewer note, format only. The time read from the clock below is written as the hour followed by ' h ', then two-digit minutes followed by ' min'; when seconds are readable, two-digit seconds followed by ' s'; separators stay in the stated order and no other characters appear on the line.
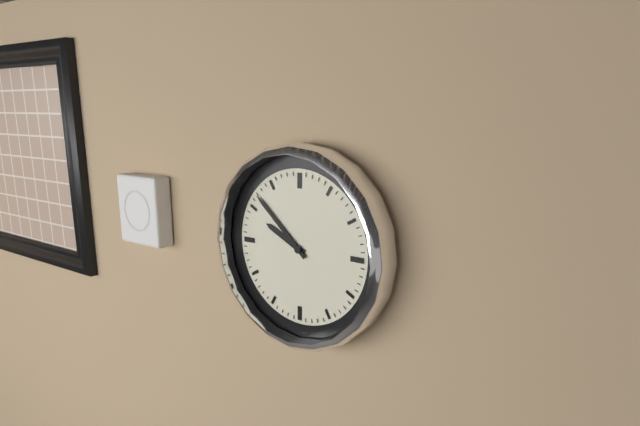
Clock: 9 h 52 min
